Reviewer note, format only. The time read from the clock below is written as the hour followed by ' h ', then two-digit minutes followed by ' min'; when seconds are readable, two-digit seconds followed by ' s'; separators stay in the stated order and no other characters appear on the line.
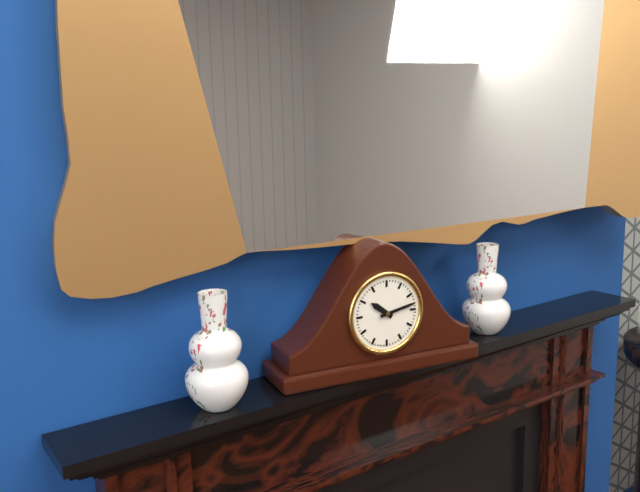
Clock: 10 h 13 min
